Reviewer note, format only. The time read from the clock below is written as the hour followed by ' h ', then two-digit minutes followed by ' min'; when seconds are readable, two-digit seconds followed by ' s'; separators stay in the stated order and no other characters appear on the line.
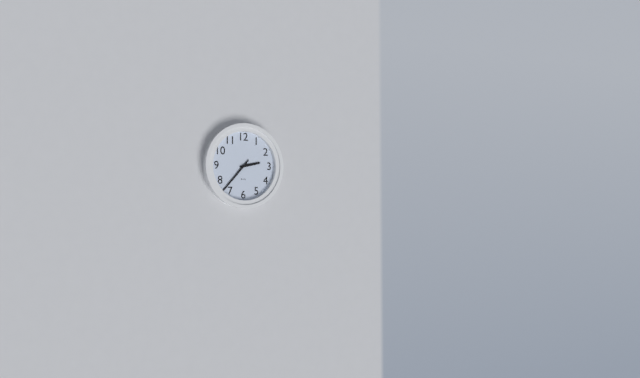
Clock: 2 h 37 min
